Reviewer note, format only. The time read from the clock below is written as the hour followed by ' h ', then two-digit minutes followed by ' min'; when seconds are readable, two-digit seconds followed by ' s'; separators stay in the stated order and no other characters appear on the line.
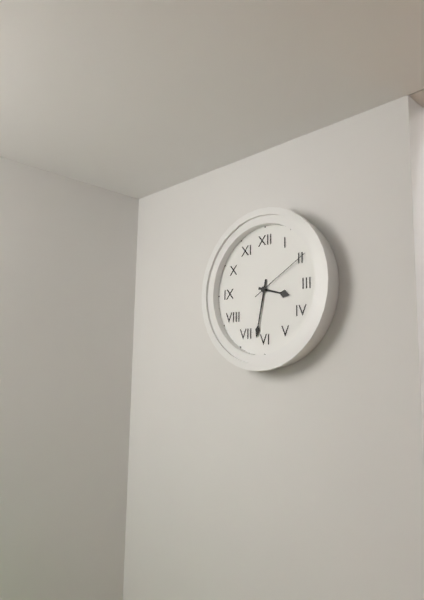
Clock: 3 h 32 min 10 s
